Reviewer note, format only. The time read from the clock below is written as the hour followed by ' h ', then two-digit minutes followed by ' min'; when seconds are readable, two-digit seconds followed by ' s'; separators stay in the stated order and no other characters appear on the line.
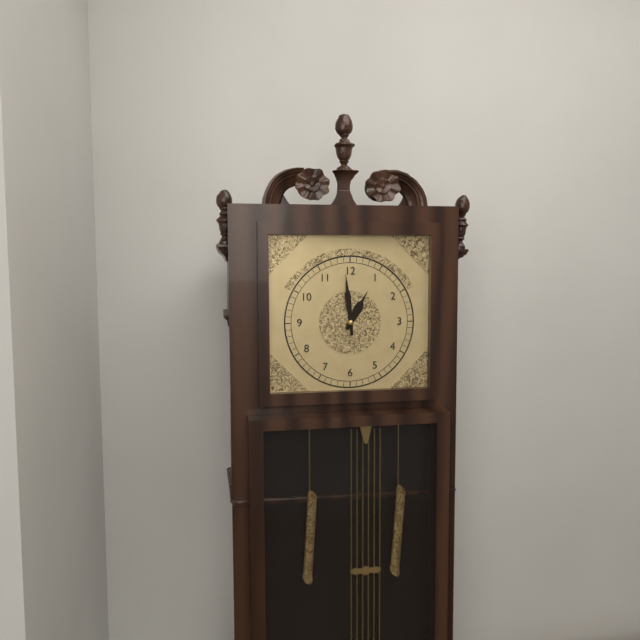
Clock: 12 h 59 min
